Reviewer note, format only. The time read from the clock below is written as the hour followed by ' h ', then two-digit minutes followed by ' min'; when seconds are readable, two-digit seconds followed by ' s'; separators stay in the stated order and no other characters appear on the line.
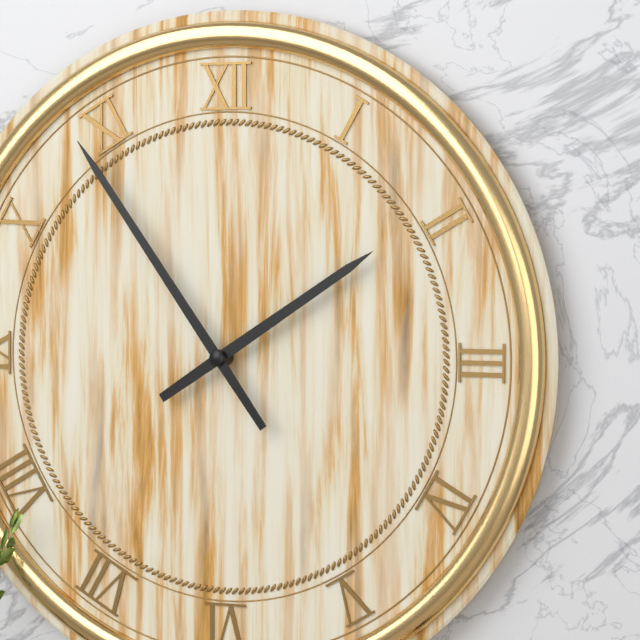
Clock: 1 h 54 min
